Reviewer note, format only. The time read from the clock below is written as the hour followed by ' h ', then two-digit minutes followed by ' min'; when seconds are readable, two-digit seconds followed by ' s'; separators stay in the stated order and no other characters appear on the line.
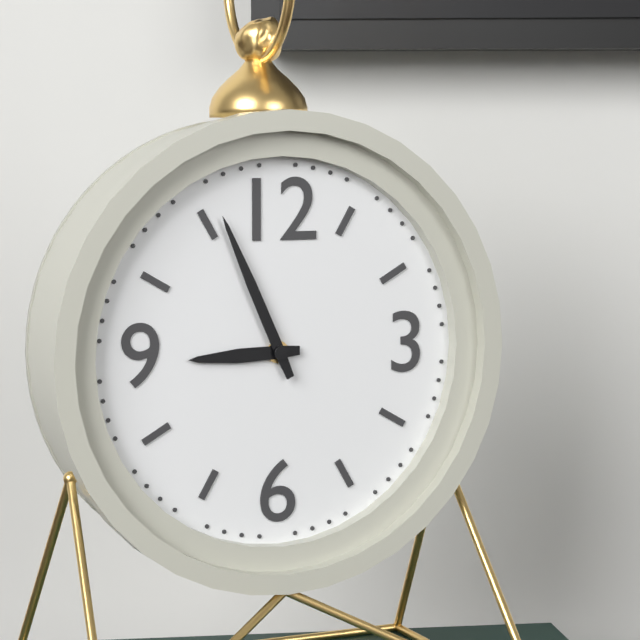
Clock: 8 h 56 min
